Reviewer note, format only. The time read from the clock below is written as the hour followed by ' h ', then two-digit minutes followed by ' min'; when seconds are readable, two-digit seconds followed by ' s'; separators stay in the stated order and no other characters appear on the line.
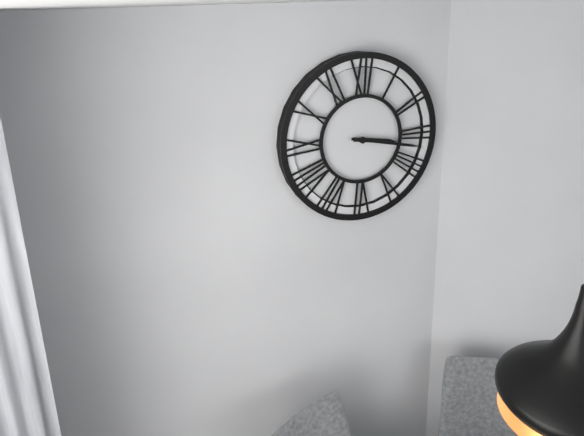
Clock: 3 h 17 min
